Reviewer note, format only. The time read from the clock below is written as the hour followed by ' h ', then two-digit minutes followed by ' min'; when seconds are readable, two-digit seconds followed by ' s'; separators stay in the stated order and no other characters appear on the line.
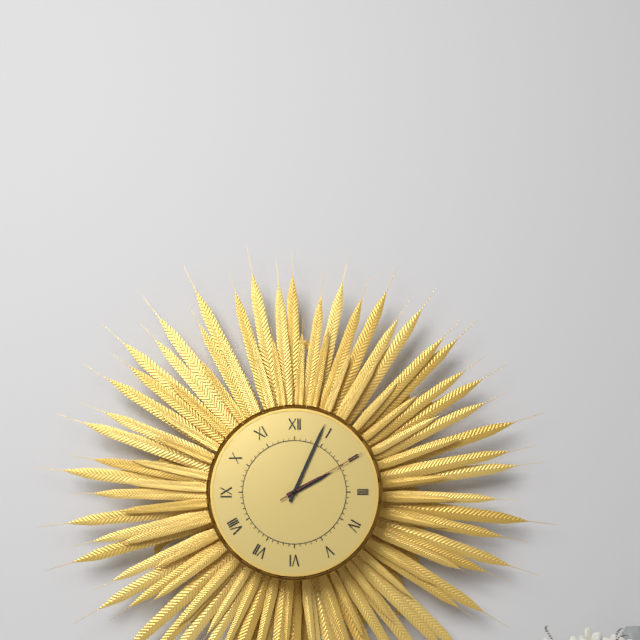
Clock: 2 h 04 min 10 s
